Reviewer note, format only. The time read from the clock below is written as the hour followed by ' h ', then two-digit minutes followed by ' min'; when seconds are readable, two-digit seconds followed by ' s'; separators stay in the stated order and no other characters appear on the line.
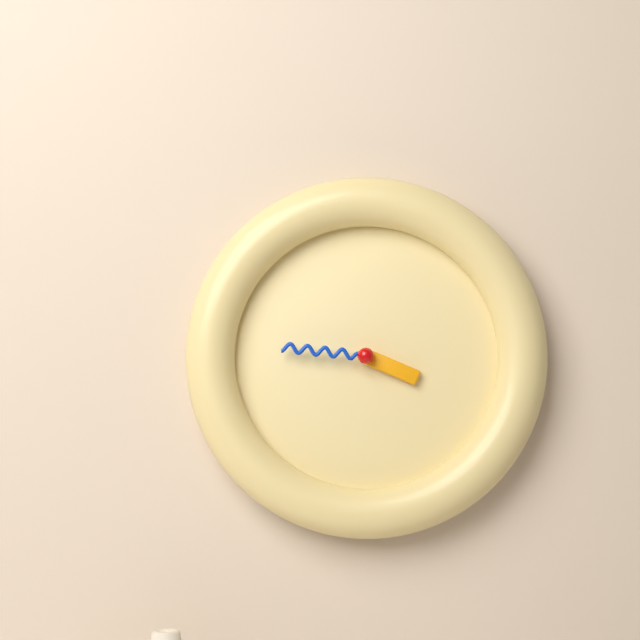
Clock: 3 h 46 min
